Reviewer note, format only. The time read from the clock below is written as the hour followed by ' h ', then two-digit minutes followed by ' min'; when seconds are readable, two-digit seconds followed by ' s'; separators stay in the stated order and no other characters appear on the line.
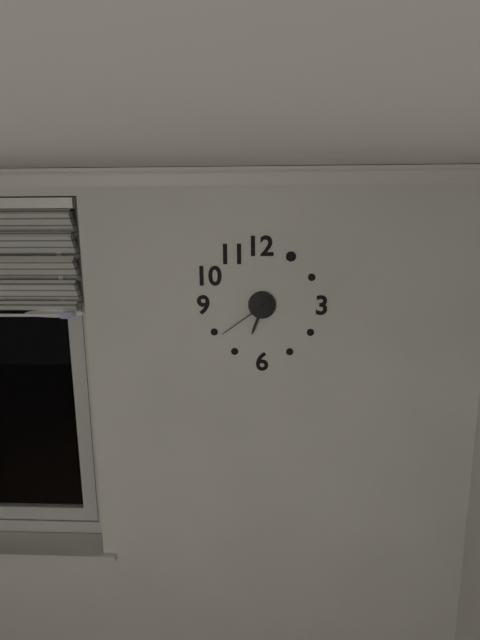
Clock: 6 h 39 min
